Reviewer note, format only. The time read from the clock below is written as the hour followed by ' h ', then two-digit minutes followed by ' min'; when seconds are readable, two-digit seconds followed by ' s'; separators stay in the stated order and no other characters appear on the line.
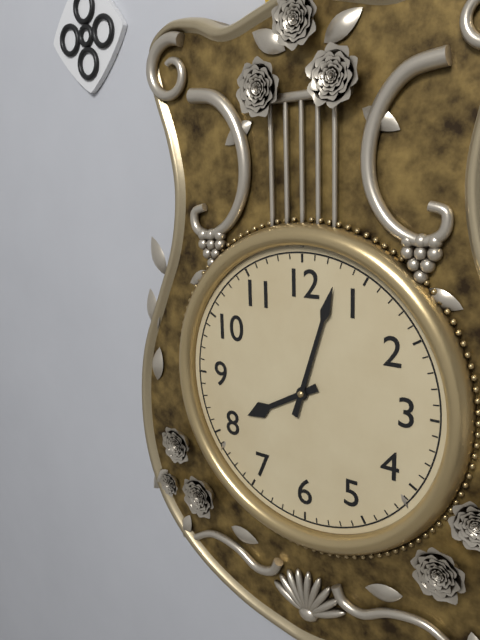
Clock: 8 h 03 min
